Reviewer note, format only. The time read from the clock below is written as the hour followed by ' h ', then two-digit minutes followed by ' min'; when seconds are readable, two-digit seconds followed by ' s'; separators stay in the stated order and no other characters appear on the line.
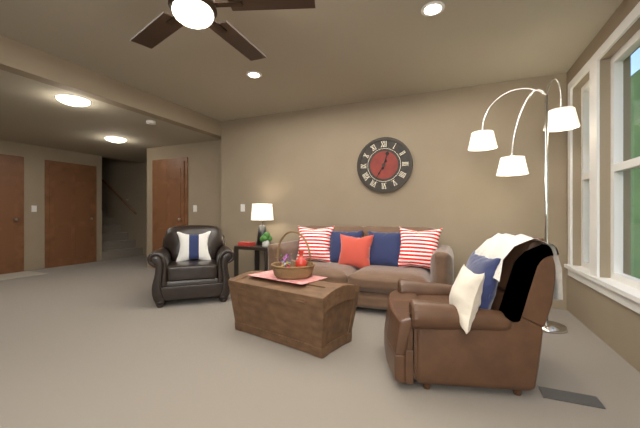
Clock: 12 h 35 min
